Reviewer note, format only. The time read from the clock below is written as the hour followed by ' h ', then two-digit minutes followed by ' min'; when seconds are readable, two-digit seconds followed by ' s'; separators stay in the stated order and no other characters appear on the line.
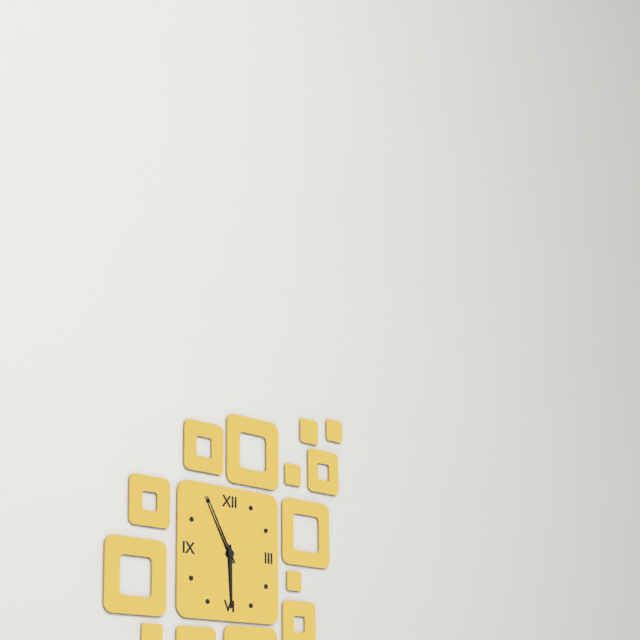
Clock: 5 h 55 min
